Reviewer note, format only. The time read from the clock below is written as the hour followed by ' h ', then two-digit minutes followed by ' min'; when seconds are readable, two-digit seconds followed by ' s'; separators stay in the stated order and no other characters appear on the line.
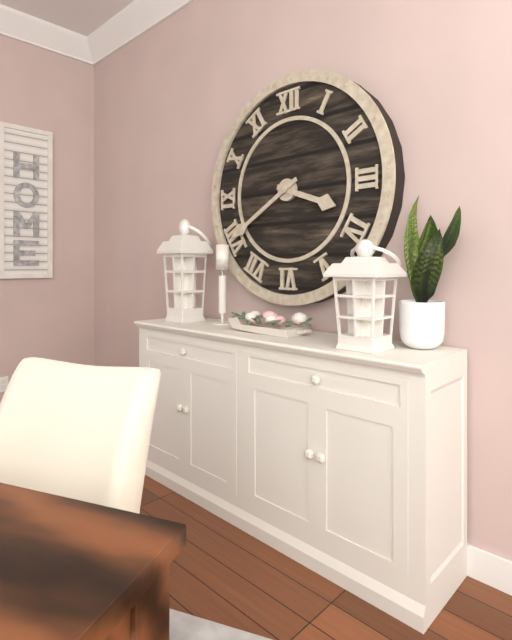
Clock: 3 h 40 min
